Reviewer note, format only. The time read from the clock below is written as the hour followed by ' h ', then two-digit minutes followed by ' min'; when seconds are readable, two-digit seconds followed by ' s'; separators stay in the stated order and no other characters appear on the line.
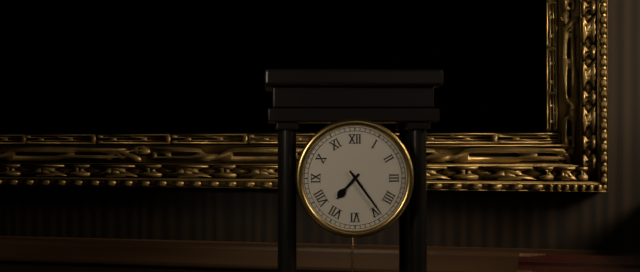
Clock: 7 h 24 min
